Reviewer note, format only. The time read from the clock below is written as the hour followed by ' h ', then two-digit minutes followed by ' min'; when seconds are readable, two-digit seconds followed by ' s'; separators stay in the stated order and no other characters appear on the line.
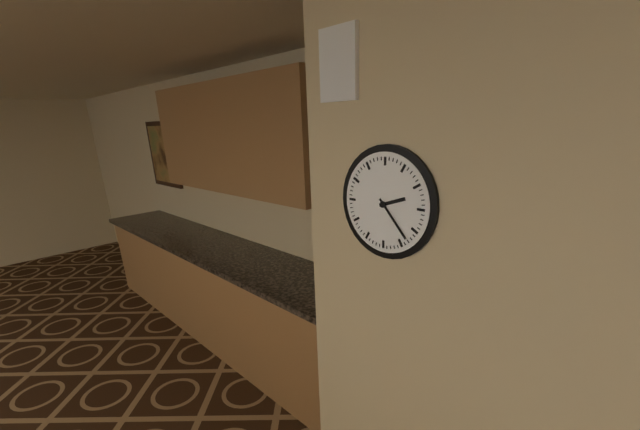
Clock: 2 h 23 min
